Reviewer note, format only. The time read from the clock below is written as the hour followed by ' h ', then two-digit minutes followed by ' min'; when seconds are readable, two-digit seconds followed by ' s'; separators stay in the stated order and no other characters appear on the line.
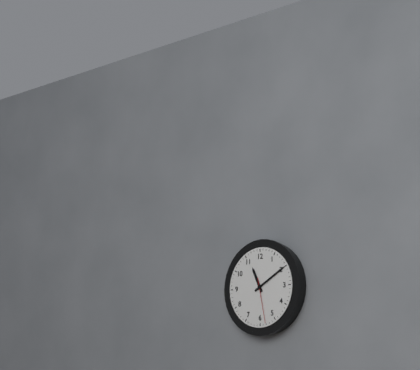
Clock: 11 h 10 min
